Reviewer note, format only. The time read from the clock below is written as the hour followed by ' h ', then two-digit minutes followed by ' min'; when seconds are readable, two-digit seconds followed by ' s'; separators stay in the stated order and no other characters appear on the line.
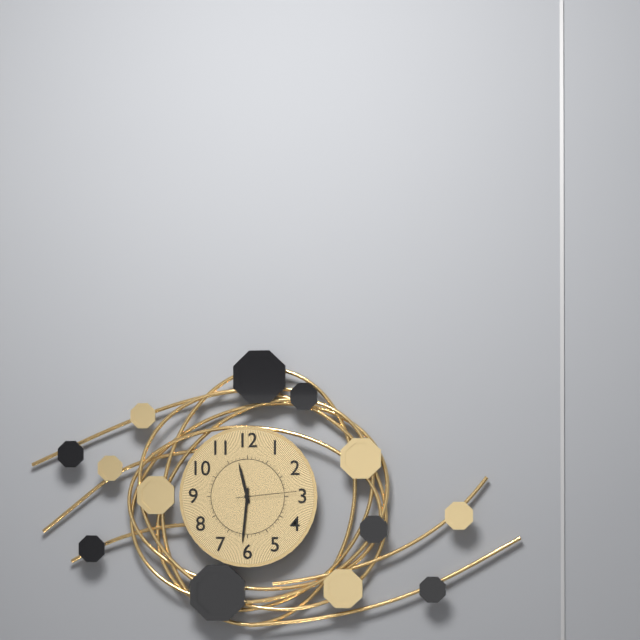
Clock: 11 h 31 min 14 s
